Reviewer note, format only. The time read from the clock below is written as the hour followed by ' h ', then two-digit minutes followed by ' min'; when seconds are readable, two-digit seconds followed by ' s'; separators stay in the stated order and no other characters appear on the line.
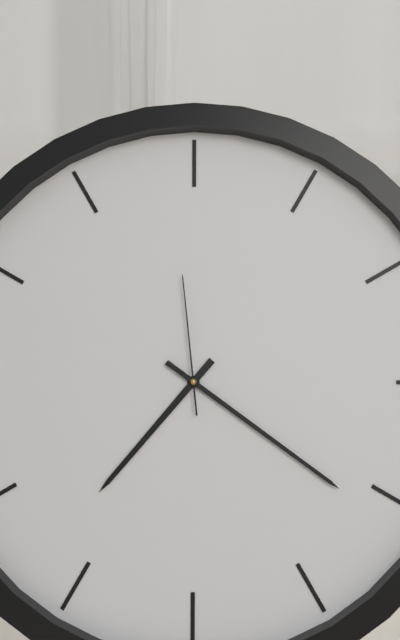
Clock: 7 h 21 min 59 s
